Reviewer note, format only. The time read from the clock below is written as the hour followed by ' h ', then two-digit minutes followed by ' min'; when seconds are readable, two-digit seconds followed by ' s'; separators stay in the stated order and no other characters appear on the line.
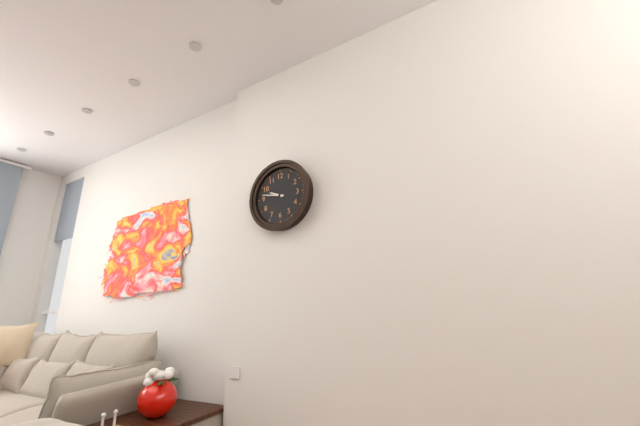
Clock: 9 h 47 min
